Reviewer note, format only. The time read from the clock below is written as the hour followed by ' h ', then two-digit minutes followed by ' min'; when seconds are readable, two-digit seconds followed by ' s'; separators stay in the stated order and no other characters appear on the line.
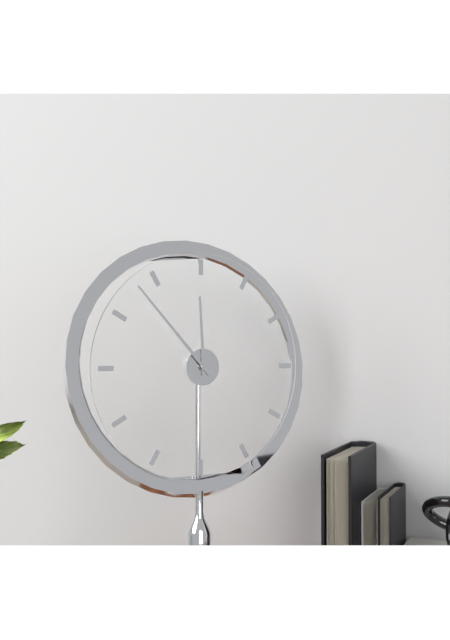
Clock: 11 h 53 min
